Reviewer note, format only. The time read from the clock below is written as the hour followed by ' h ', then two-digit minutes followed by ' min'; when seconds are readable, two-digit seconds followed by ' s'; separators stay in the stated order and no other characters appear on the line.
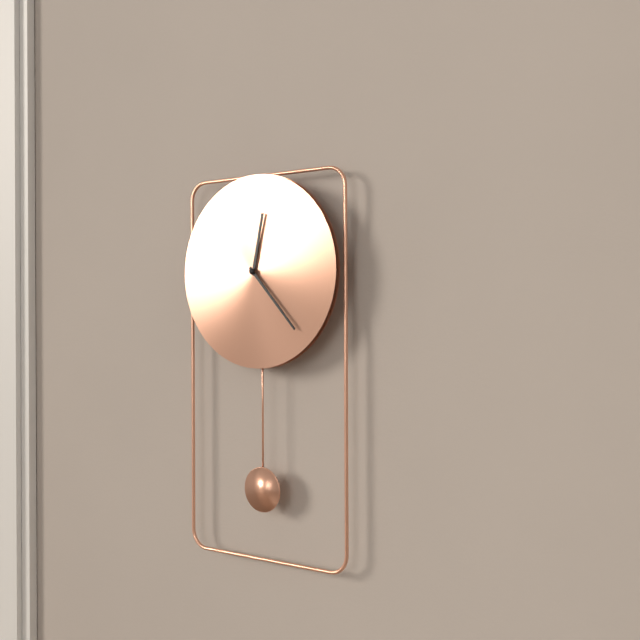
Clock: 12 h 23 min
